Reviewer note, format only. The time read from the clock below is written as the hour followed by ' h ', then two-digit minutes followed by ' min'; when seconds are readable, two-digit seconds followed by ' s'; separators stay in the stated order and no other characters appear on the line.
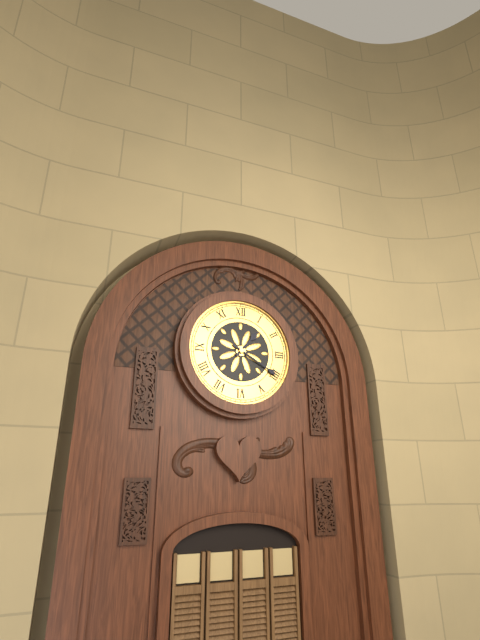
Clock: 1 h 20 min
